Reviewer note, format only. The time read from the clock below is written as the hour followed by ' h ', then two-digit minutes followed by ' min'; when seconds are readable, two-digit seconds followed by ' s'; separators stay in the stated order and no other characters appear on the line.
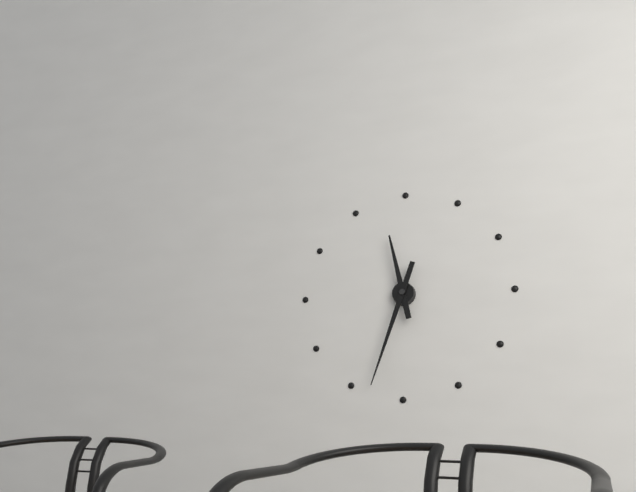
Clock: 11 h 33 min
